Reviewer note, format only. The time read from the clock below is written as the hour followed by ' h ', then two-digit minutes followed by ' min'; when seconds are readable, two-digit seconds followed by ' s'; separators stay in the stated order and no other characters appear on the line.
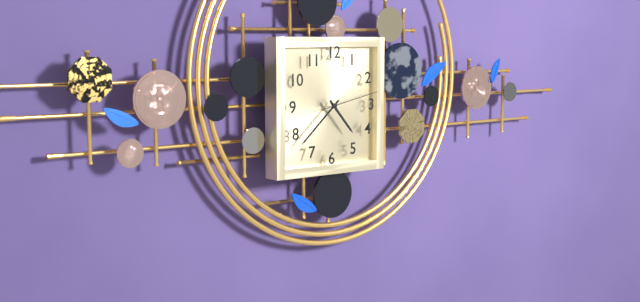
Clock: 4 h 38 min 13 s
